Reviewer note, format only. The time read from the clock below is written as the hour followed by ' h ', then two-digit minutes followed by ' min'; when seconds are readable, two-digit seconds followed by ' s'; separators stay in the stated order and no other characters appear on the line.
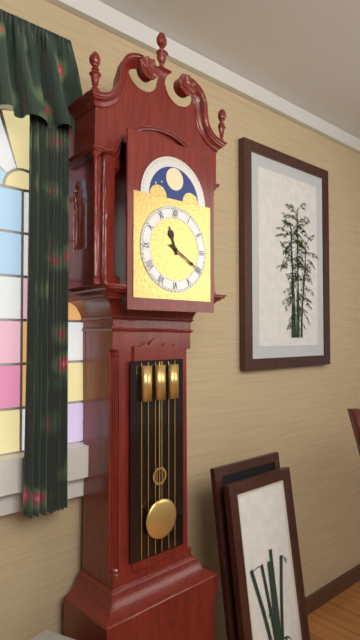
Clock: 11 h 20 min
